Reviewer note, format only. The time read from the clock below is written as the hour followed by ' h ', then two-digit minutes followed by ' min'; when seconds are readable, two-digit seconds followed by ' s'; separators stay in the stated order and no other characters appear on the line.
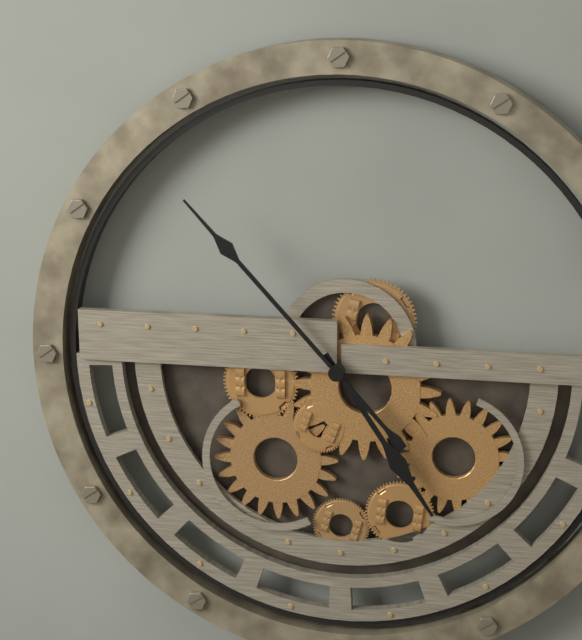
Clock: 4 h 53 min
